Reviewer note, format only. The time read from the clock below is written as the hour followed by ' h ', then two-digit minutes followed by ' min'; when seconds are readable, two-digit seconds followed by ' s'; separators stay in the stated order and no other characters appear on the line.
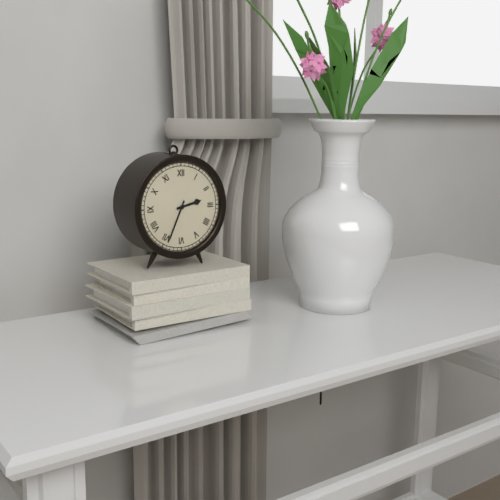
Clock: 2 h 34 min
